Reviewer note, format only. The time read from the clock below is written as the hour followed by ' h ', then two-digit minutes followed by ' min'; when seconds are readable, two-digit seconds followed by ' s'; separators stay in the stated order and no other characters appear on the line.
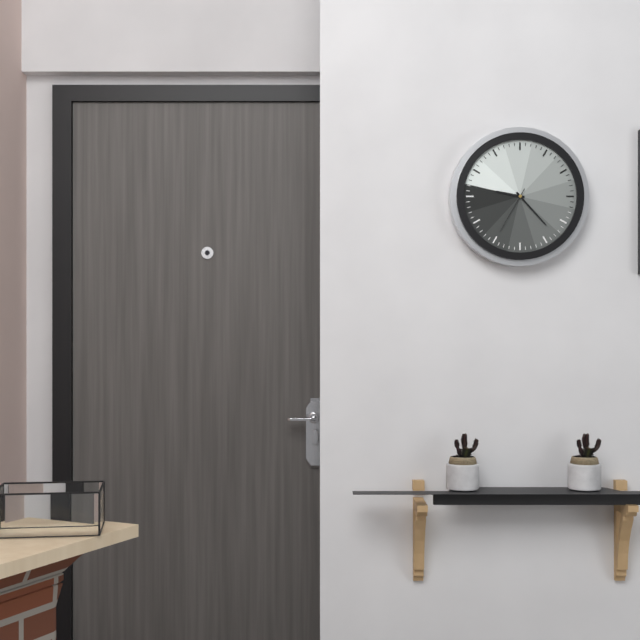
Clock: 9 h 23 min 35 s
